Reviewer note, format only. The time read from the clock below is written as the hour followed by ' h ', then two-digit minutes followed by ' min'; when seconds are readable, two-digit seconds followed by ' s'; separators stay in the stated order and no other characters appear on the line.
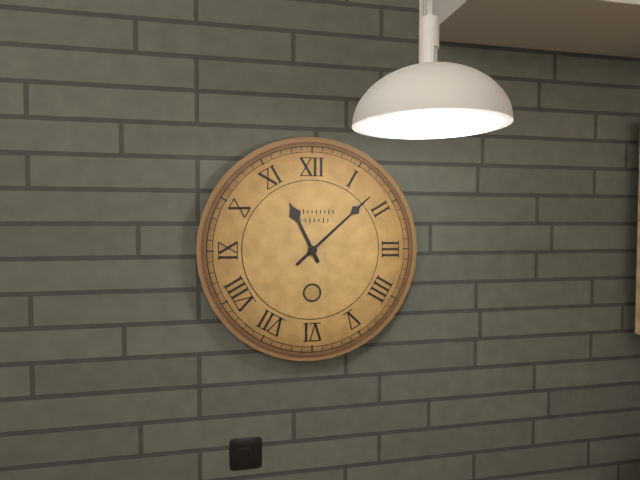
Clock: 11 h 08 min
